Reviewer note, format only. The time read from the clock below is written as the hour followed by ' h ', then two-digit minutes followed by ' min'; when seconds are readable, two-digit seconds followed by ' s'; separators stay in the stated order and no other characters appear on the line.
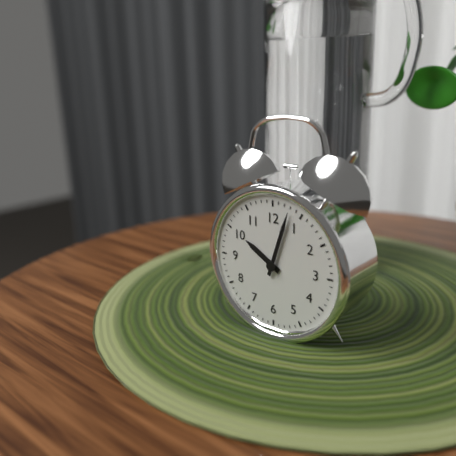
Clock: 10 h 03 min
